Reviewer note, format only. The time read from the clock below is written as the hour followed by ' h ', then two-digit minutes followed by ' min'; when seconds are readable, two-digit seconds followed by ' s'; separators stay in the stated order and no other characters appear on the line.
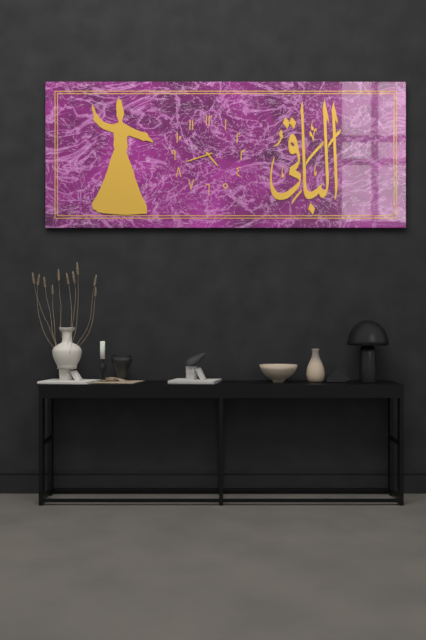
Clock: 4 h 42 min
